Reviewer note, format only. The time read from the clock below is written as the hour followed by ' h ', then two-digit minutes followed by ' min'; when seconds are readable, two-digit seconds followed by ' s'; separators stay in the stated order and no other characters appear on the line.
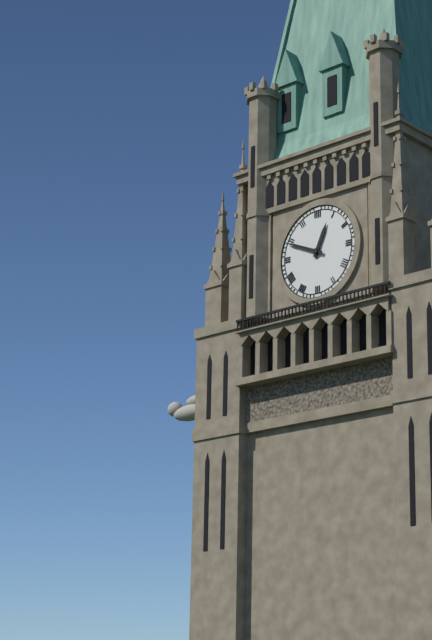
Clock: 12 h 49 min
